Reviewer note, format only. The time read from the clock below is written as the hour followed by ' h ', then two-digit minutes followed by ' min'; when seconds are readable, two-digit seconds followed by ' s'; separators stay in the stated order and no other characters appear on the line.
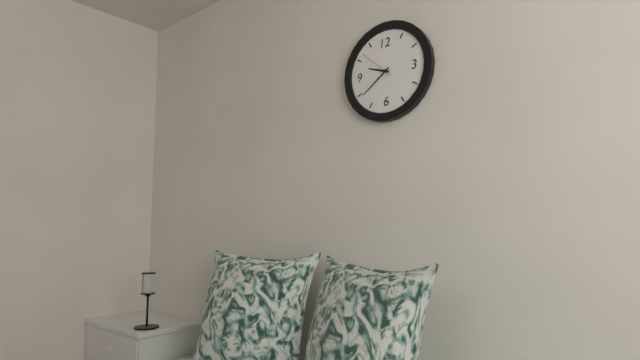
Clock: 9 h 39 min
